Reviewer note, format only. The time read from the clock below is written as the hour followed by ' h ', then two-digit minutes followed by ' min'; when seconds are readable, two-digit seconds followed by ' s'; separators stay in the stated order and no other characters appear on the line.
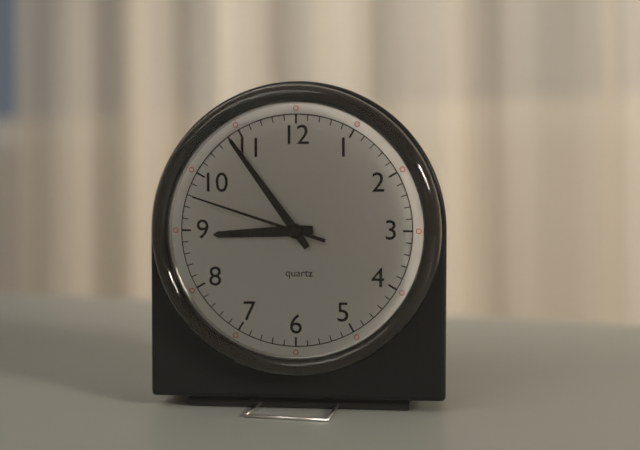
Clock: 8 h 54 min 48 s
